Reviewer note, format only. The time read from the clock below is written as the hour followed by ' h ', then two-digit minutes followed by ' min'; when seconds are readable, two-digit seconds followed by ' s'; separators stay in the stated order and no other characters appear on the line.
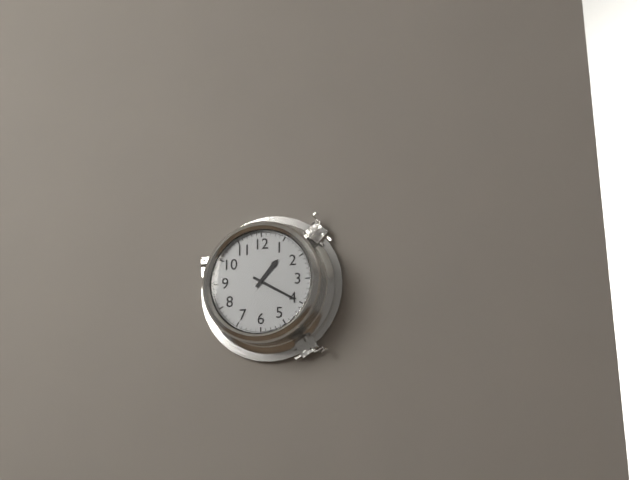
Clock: 1 h 20 min
